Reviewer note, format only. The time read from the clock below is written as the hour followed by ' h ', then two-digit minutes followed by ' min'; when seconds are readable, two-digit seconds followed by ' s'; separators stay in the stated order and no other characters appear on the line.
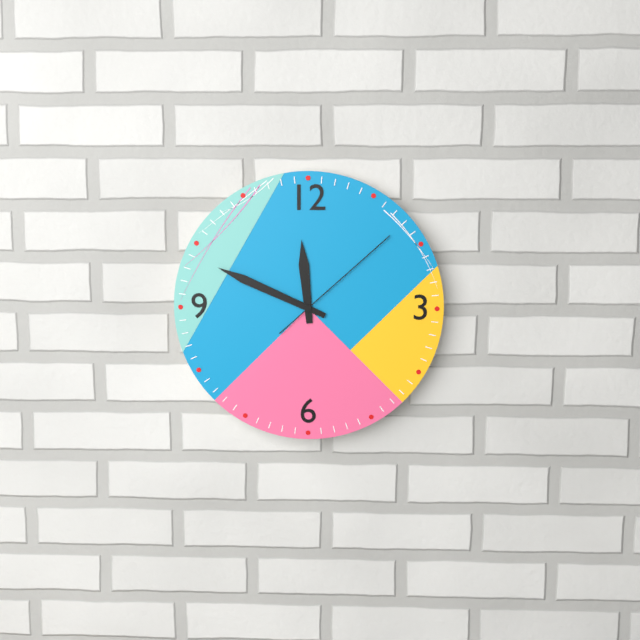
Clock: 11 h 49 min 08 s
